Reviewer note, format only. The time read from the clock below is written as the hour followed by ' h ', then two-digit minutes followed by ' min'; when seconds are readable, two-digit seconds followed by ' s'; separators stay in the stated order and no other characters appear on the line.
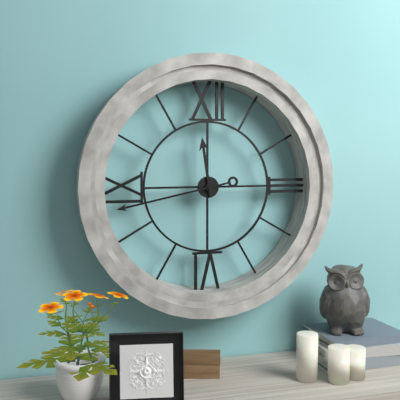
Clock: 11 h 43 min
